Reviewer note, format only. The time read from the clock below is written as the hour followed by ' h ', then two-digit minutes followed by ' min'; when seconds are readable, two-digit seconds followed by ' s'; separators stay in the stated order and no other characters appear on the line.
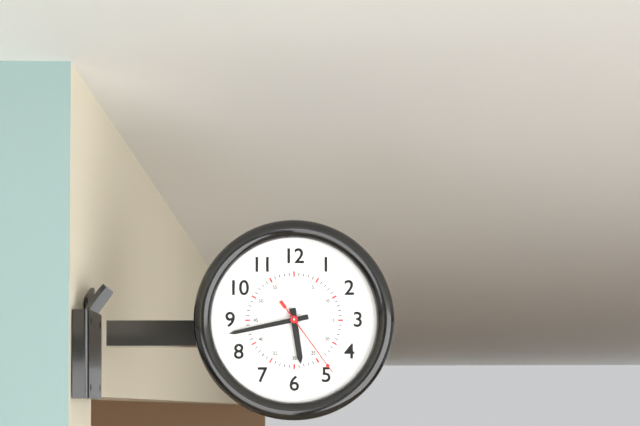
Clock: 5 h 43 min 24 s
